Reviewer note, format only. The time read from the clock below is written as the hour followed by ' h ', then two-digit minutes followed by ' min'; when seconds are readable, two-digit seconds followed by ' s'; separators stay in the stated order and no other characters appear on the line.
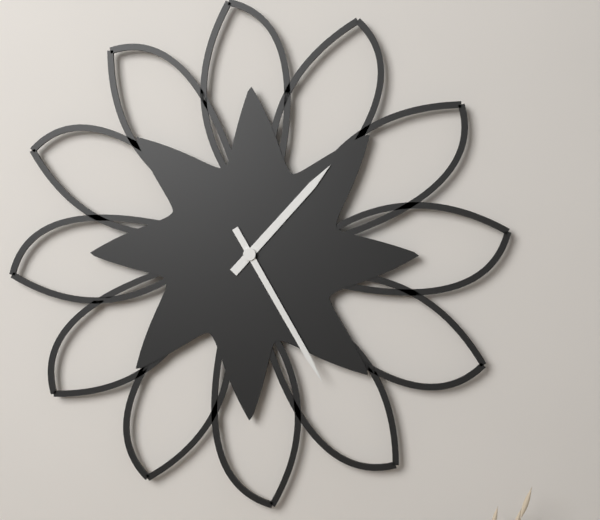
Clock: 1 h 25 min
